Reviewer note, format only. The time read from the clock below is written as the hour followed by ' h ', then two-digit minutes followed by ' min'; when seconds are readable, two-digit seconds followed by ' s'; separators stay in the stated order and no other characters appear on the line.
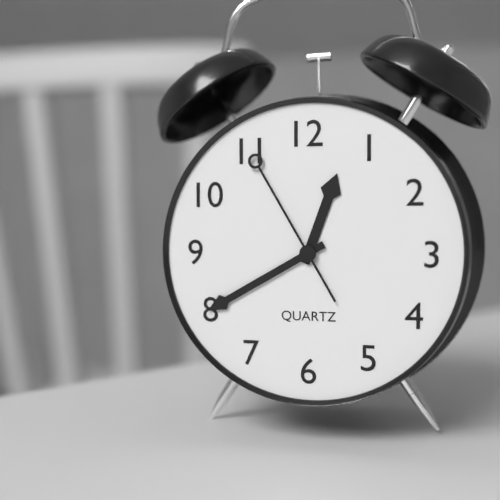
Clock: 12 h 40 min 55 s
